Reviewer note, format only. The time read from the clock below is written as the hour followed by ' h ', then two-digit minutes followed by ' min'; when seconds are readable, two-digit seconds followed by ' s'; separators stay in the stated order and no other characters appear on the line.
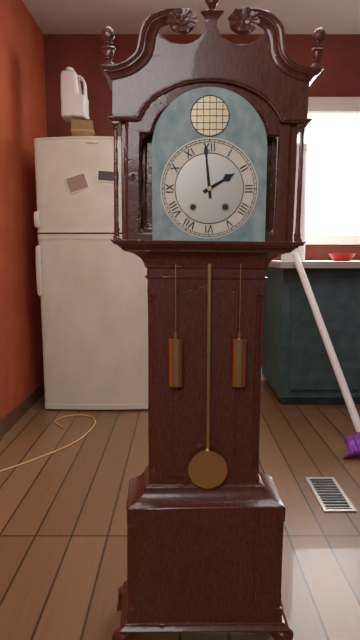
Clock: 1 h 59 min
